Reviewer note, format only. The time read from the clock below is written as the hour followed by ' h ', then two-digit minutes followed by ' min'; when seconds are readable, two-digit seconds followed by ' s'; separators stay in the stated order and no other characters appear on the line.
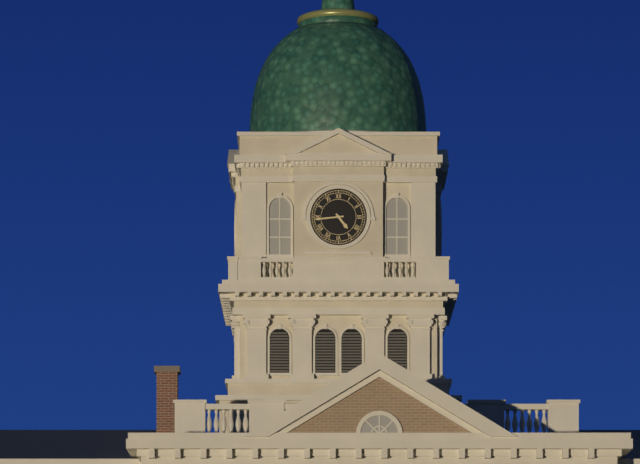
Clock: 4 h 44 min
